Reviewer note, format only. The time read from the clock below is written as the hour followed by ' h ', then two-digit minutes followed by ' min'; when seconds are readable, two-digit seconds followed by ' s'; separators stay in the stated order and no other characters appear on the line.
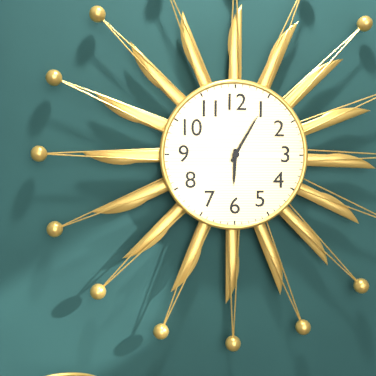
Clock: 6 h 05 min
